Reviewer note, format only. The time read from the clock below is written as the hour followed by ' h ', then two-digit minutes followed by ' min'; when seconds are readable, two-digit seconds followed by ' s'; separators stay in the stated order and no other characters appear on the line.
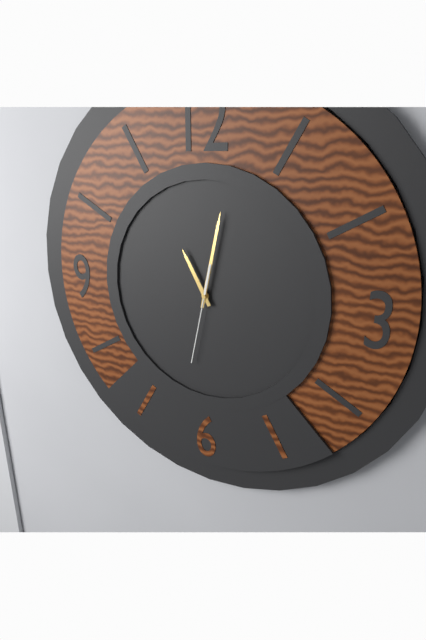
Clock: 11 h 02 min 32 s
